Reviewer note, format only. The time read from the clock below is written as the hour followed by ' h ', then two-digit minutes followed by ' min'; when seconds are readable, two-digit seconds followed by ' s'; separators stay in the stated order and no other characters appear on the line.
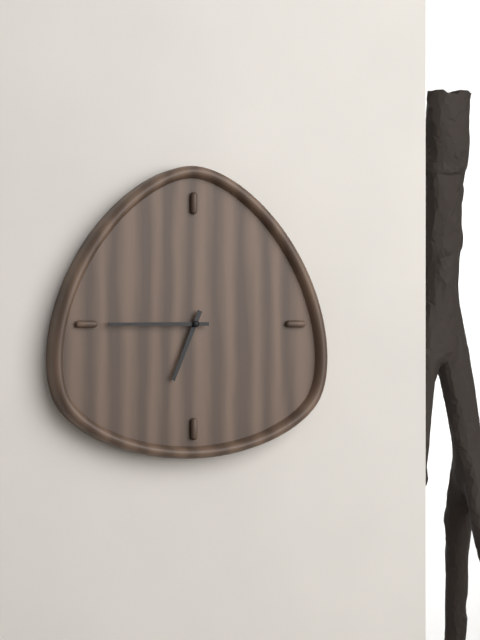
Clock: 6 h 45 min
